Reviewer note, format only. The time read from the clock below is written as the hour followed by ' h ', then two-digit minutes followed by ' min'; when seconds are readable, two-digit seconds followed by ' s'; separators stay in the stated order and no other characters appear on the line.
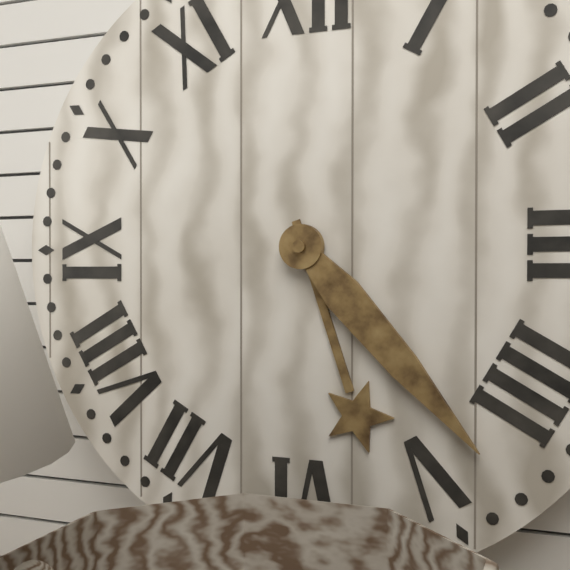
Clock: 5 h 23 min
